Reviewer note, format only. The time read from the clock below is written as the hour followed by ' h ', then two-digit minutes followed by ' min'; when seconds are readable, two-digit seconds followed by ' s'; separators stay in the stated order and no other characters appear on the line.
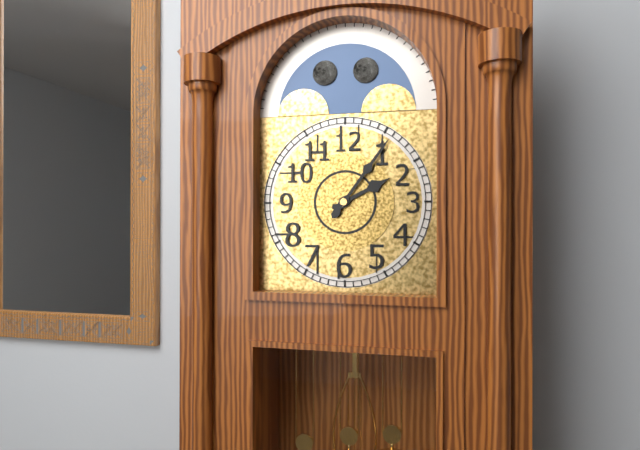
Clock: 2 h 06 min
